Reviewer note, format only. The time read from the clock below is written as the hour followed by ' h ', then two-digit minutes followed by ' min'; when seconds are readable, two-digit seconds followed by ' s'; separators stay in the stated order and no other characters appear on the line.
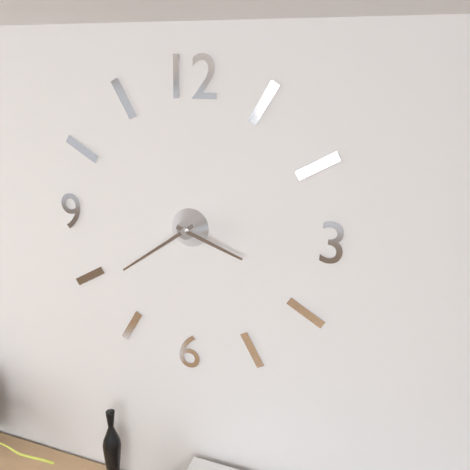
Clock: 3 h 39 min
